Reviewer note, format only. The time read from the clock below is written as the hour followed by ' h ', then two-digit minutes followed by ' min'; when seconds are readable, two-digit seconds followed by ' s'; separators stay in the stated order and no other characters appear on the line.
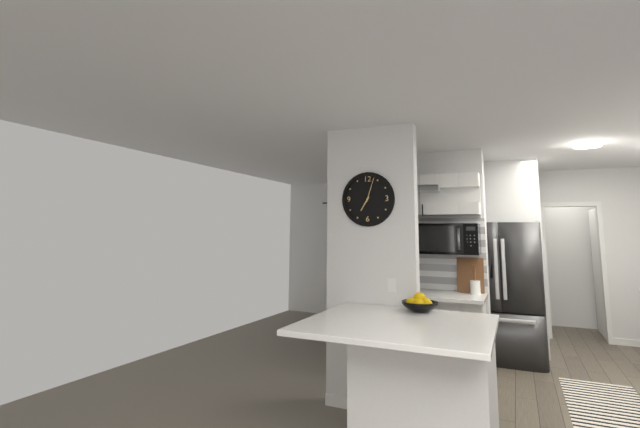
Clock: 7 h 03 min
